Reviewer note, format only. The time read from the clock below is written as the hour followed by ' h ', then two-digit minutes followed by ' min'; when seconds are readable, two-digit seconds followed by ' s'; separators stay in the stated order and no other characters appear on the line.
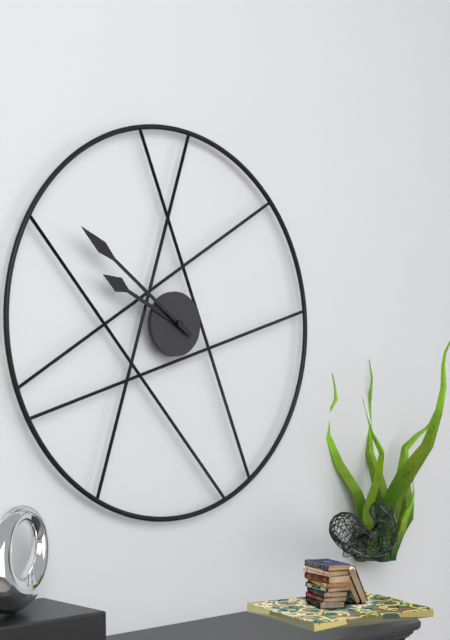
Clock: 9 h 51 min
